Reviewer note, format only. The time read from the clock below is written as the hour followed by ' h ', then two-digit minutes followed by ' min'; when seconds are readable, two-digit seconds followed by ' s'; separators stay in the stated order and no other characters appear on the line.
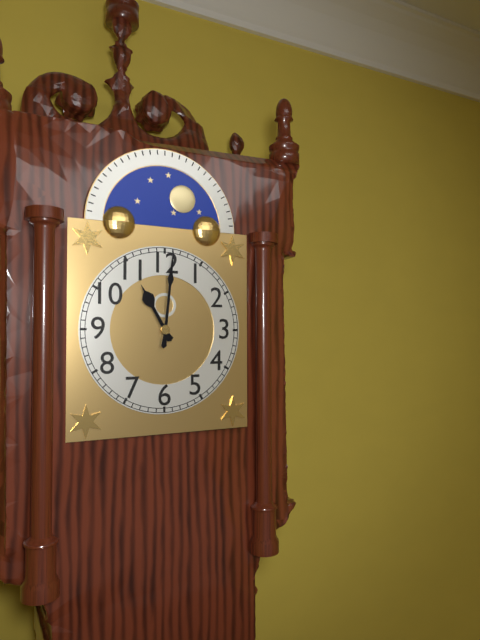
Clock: 11 h 01 min
